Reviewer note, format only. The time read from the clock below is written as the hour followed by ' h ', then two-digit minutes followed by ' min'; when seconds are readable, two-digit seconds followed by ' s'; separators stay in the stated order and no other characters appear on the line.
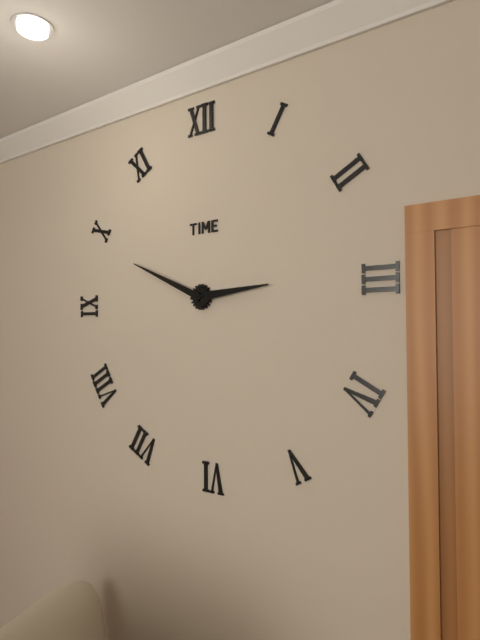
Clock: 2 h 49 min
